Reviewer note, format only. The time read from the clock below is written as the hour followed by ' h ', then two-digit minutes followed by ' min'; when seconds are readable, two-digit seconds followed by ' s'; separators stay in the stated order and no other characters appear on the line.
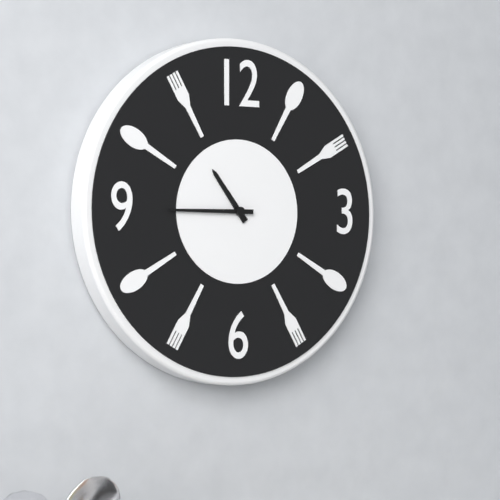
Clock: 10 h 45 min
